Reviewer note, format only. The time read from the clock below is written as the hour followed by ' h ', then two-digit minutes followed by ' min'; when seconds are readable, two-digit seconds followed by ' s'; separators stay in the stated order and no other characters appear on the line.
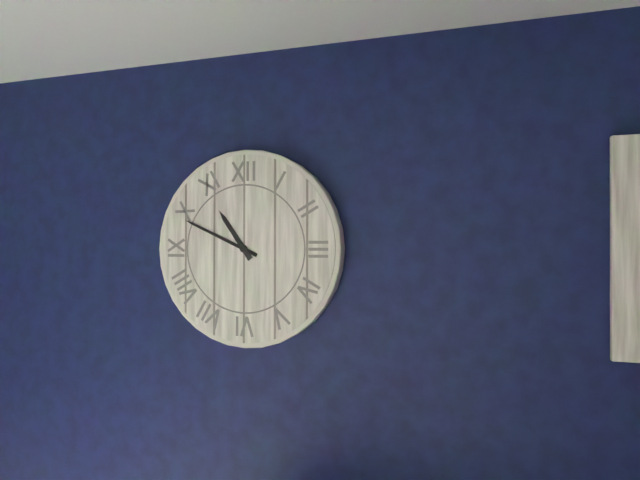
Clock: 10 h 49 min
